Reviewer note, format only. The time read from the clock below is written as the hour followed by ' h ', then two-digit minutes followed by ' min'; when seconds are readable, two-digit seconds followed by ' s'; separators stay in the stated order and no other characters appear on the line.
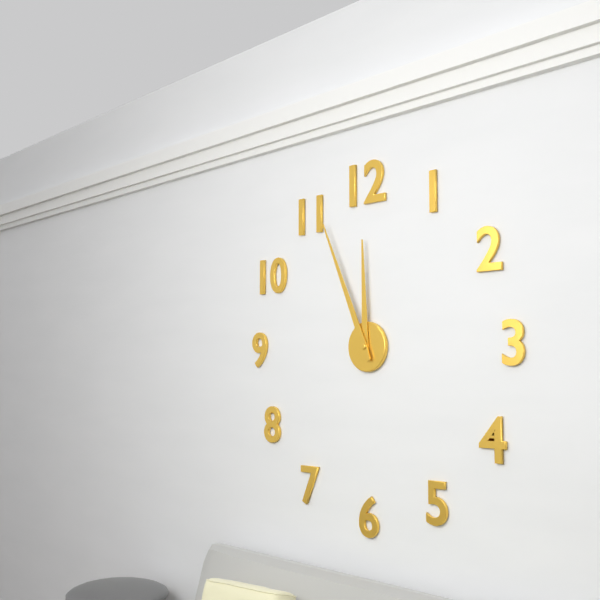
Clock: 11 h 56 min
